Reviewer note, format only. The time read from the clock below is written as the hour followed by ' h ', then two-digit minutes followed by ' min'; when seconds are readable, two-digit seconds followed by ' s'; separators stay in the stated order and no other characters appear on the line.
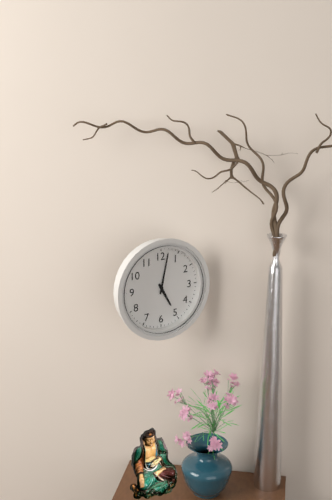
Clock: 5 h 02 min
